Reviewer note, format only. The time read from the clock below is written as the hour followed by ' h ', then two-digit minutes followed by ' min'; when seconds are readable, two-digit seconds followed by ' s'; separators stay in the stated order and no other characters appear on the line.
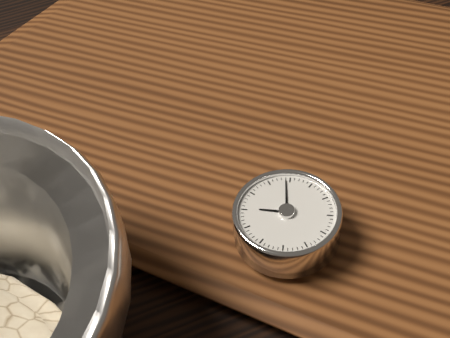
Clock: 10 h 04 min
